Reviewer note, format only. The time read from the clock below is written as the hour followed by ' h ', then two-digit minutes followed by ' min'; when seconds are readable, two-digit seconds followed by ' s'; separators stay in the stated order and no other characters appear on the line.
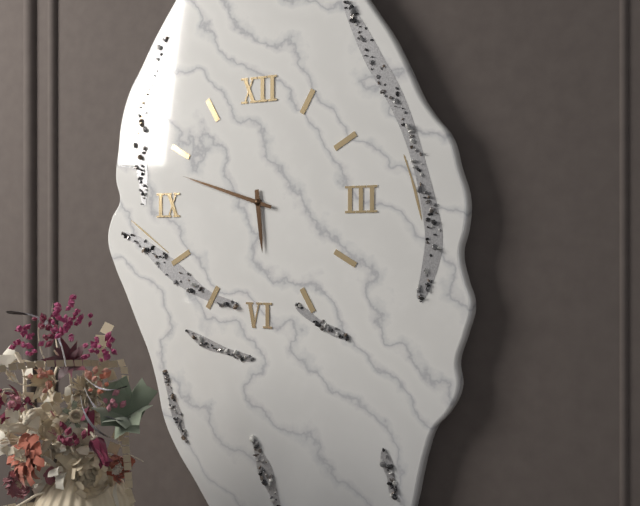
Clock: 5 h 48 min
